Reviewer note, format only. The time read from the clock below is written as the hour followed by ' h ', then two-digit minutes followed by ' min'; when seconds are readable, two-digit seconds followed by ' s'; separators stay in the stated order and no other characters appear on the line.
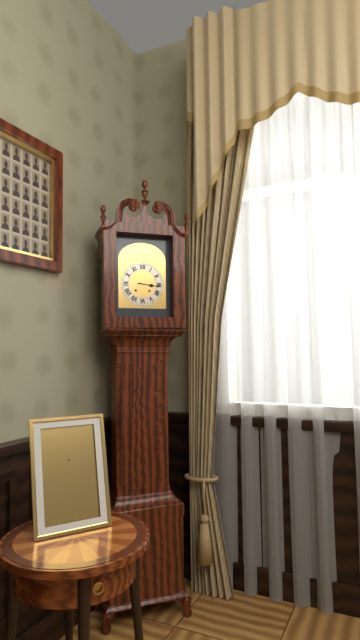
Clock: 3 h 16 min
